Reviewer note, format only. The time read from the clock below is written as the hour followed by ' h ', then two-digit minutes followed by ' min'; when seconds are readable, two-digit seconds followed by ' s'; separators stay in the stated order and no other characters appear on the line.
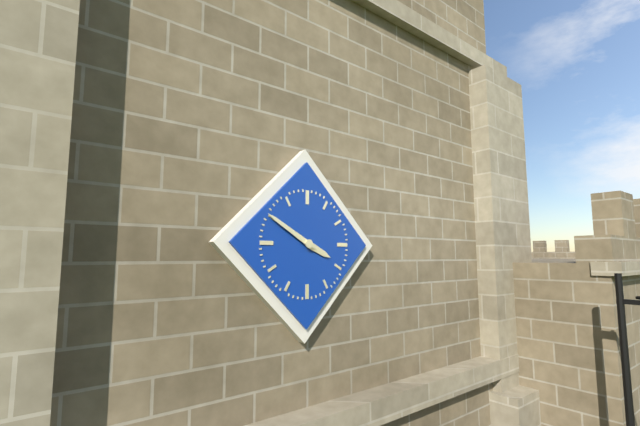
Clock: 3 h 50 min
